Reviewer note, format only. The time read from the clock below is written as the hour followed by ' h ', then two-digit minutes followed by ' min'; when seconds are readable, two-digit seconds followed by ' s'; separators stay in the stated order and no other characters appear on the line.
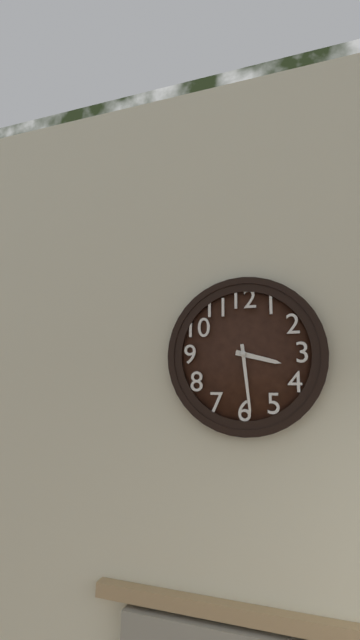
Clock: 3 h 29 min
